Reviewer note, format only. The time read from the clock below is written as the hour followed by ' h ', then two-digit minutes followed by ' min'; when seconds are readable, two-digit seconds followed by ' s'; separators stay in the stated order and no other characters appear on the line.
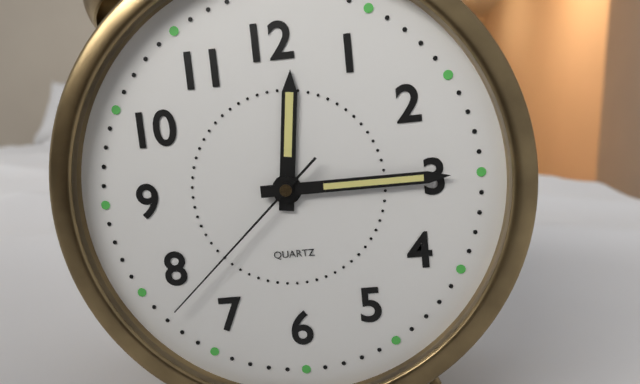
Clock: 12 h 15 min 38 s
